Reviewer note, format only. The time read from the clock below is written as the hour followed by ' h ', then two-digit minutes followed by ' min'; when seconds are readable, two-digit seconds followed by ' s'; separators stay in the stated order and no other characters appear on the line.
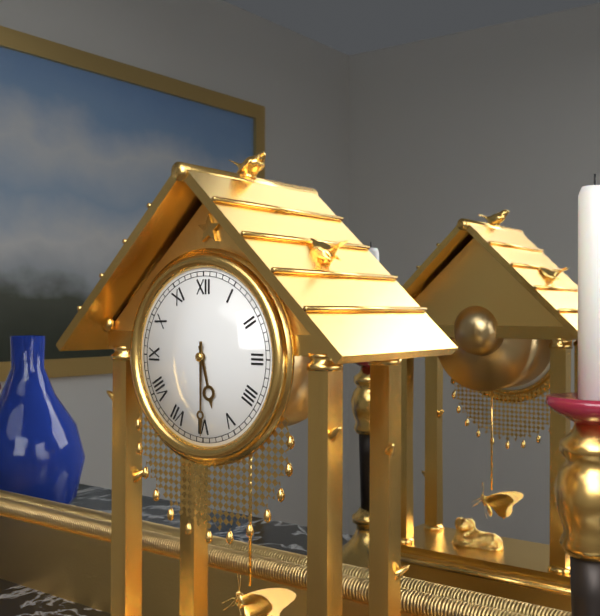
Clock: 5 h 30 min
